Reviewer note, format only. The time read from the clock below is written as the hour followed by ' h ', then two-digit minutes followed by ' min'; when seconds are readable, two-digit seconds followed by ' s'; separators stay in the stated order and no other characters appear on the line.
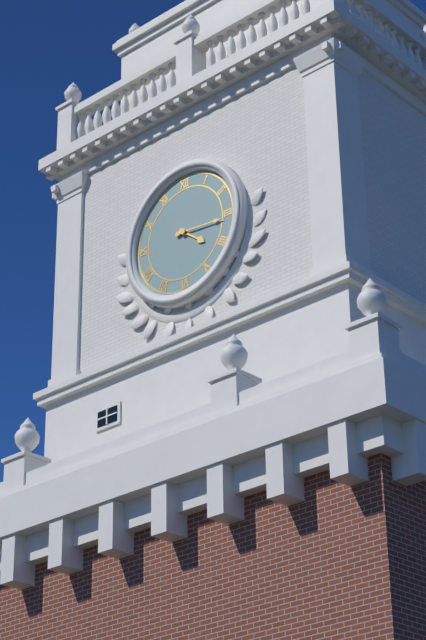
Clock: 4 h 16 min
